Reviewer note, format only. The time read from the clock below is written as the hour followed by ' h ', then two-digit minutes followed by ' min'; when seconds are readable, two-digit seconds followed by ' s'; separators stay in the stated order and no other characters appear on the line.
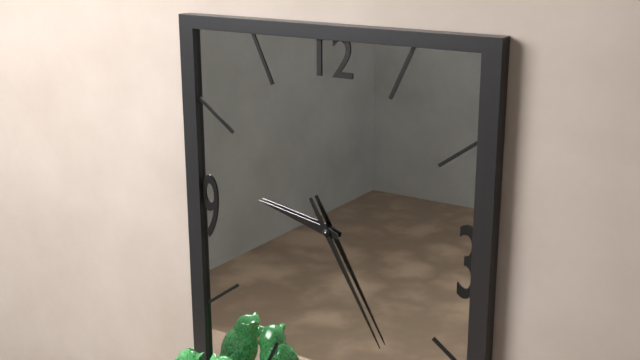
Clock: 9 h 25 min
